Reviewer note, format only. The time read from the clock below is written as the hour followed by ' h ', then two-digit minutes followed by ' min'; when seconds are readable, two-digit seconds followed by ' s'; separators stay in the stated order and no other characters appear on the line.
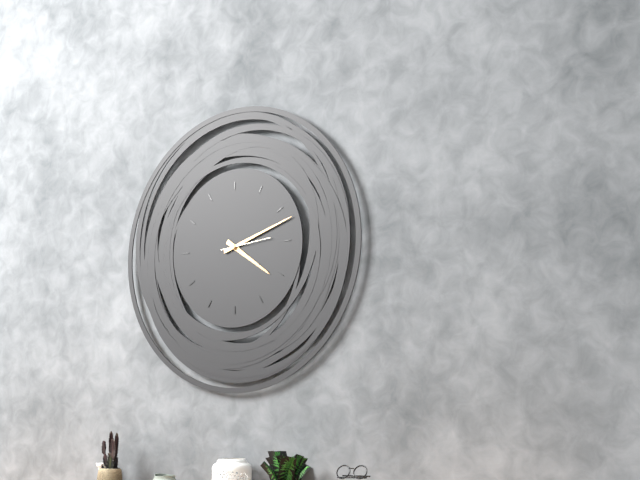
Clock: 4 h 12 min
